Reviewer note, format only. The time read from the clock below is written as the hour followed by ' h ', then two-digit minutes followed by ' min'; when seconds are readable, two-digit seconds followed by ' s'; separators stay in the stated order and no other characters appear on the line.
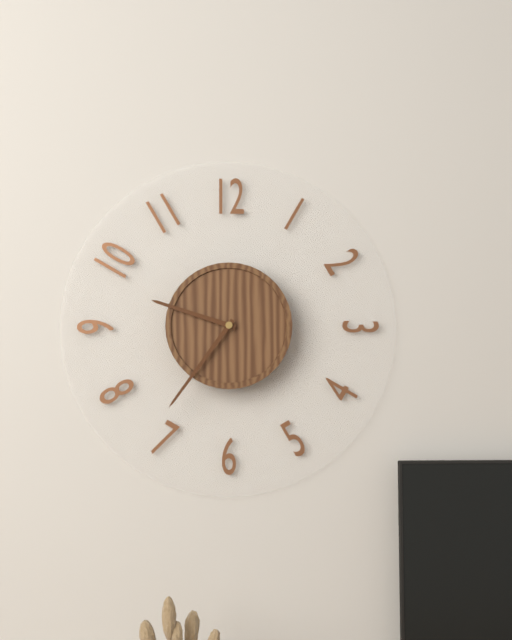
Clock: 9 h 36 min
